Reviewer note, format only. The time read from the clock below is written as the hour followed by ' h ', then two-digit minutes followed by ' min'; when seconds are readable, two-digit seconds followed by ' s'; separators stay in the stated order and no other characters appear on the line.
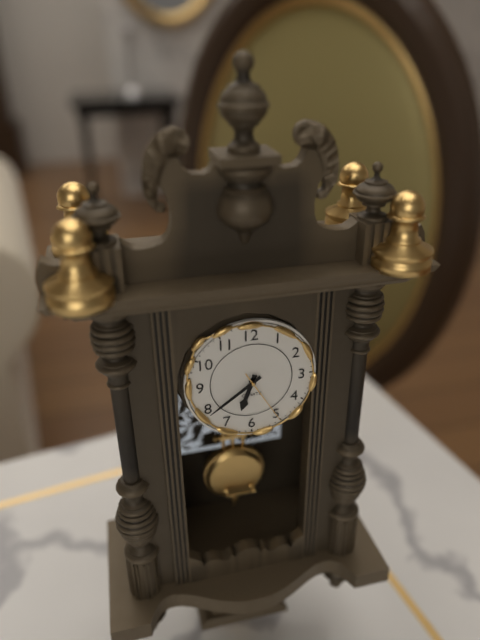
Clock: 6 h 39 min 25 s
